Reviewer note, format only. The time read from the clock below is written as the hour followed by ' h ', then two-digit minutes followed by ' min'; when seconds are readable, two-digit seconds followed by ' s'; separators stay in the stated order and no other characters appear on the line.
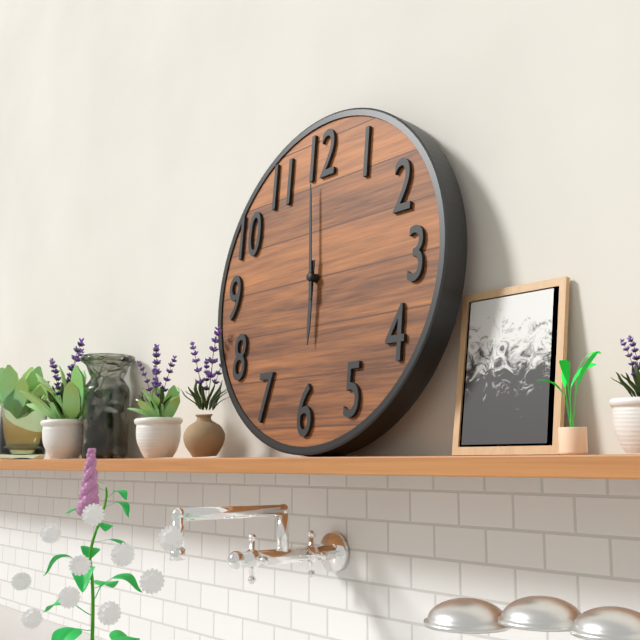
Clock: 5 h 59 min
